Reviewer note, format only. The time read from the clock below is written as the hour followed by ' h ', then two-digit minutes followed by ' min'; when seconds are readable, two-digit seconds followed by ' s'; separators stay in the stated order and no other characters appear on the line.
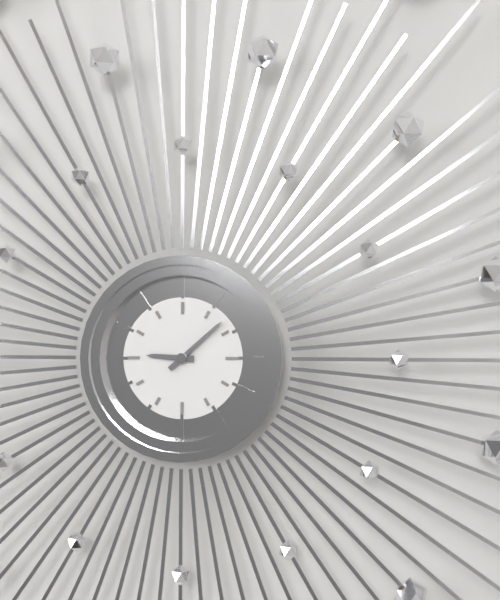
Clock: 9 h 08 min
